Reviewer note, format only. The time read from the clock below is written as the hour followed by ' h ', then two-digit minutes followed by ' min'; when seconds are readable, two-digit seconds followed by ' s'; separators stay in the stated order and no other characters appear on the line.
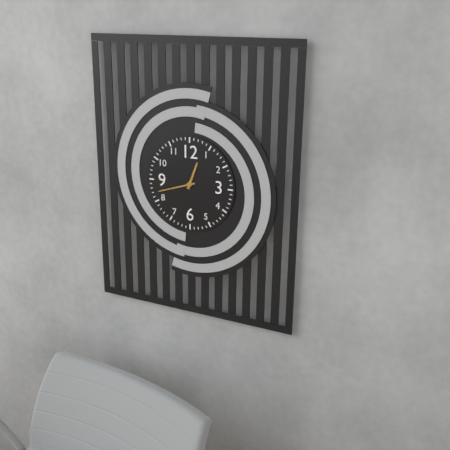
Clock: 12 h 42 min
